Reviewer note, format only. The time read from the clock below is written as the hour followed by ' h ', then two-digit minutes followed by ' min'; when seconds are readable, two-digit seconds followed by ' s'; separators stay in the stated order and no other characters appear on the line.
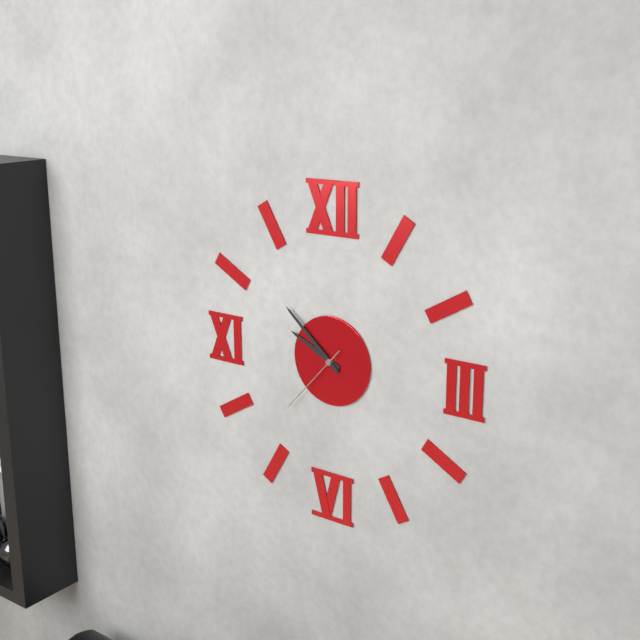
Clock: 9 h 52 min 37 s
